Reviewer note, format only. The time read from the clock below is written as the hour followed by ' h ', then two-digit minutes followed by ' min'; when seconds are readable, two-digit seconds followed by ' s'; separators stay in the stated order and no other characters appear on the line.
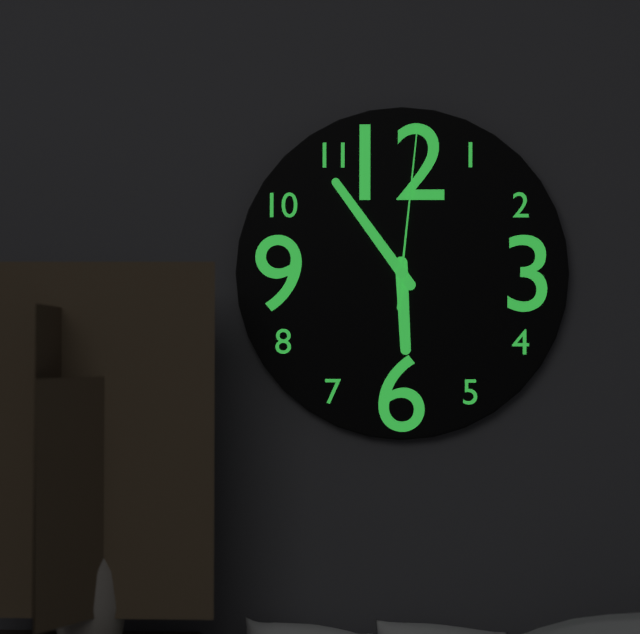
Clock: 5 h 54 min 01 s
